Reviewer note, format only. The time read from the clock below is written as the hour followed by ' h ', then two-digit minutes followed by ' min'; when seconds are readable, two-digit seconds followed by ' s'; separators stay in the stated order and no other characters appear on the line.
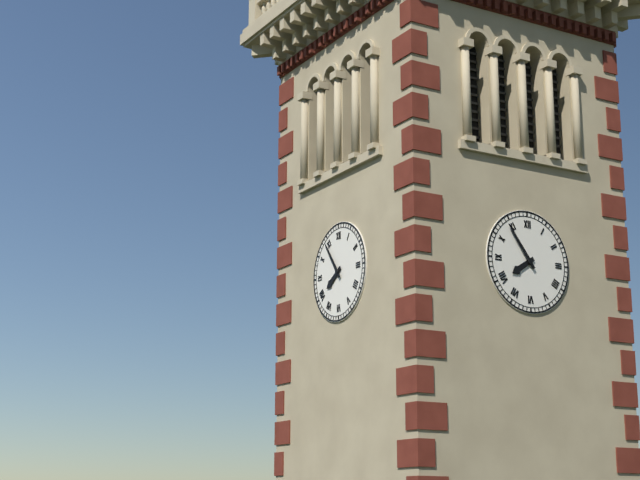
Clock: 7 h 54 min
